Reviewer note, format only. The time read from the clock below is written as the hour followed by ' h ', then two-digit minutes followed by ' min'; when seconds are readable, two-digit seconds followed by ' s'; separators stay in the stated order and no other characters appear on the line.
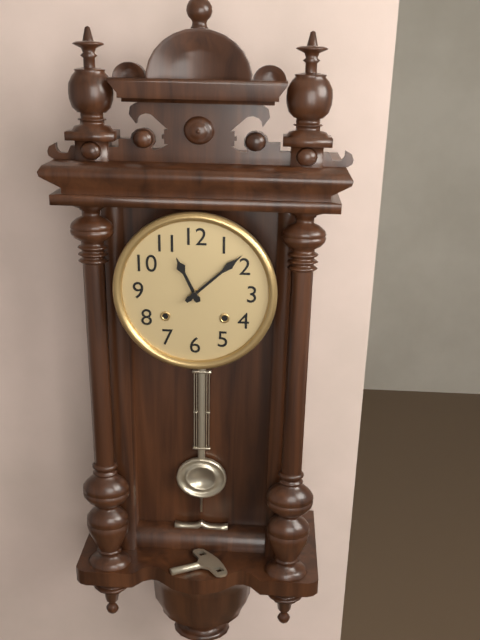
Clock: 11 h 08 min
